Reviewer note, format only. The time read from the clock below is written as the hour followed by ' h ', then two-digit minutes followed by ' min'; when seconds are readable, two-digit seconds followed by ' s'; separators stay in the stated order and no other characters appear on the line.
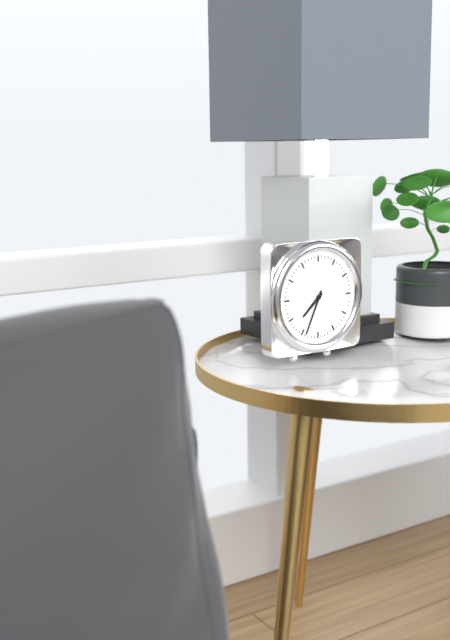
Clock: 7 h 34 min
